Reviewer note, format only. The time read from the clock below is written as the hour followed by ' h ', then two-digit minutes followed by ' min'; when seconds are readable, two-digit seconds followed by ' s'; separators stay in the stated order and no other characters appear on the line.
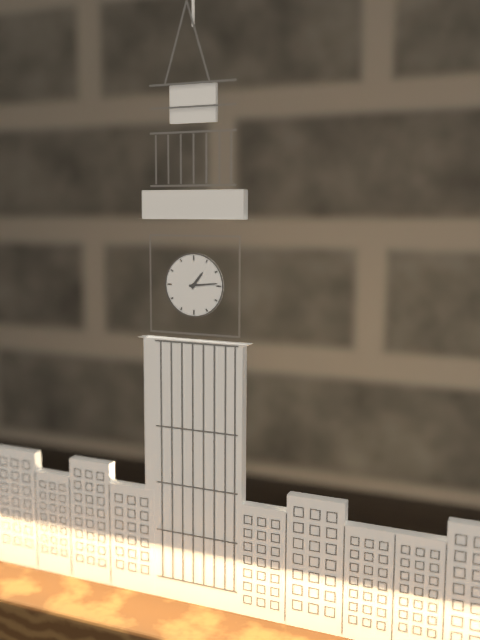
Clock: 1 h 14 min
